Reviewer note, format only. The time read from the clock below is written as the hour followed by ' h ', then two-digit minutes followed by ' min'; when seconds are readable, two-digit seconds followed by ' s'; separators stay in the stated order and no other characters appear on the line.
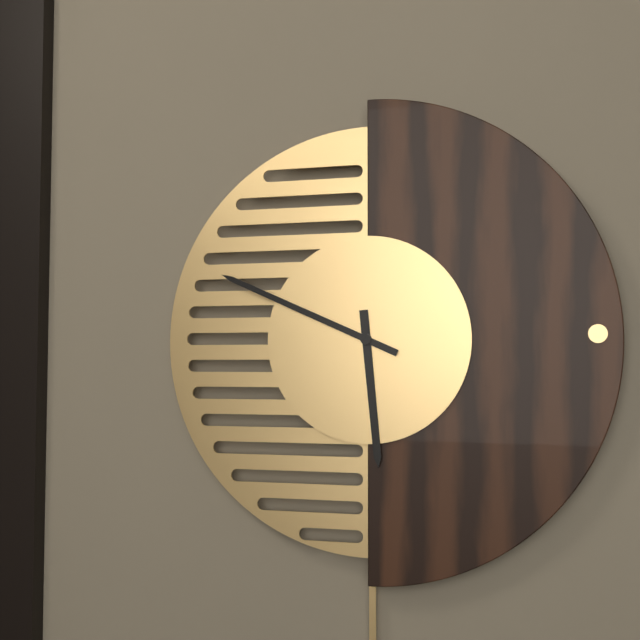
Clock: 5 h 49 min
